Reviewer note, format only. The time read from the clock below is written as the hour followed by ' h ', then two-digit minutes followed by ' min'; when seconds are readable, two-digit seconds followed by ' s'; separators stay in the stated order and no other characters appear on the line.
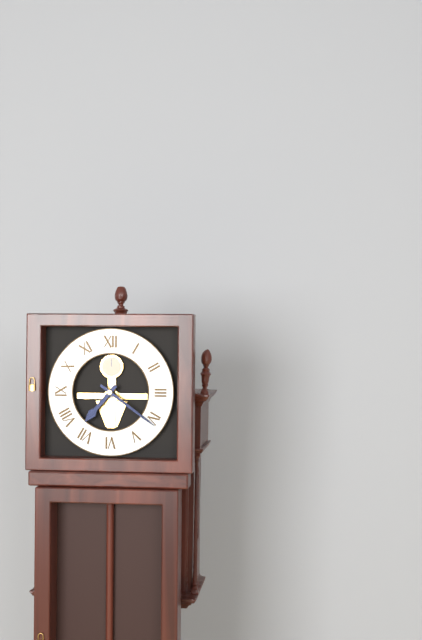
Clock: 7 h 21 min
